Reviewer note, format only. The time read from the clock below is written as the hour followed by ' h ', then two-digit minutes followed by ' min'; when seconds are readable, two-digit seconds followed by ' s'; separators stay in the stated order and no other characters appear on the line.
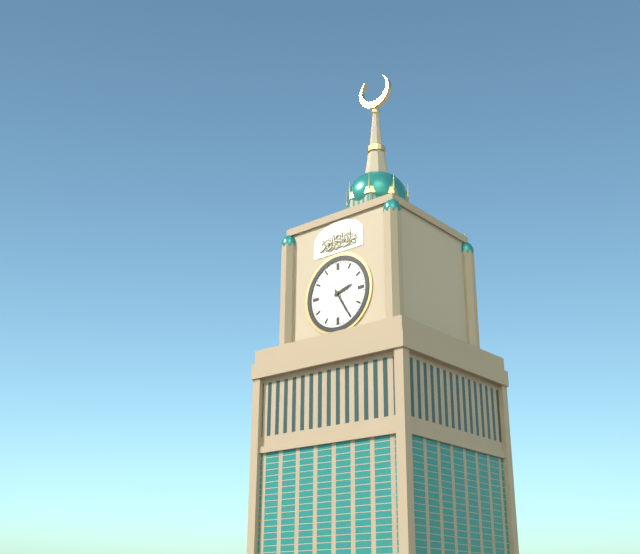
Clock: 2 h 25 min
